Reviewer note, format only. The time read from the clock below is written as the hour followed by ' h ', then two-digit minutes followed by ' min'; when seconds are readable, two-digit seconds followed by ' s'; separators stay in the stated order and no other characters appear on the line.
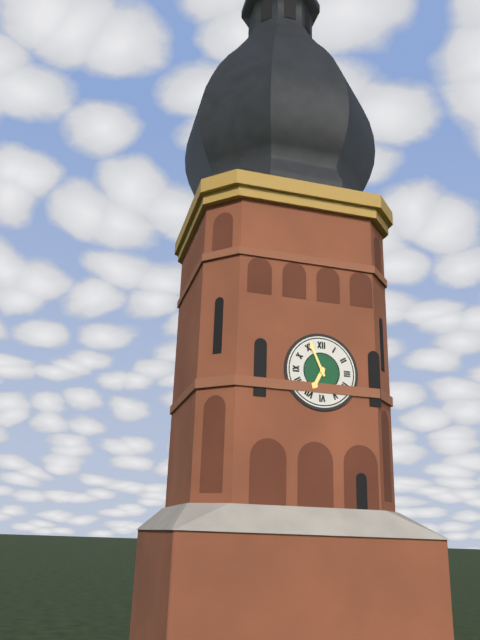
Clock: 6 h 56 min
